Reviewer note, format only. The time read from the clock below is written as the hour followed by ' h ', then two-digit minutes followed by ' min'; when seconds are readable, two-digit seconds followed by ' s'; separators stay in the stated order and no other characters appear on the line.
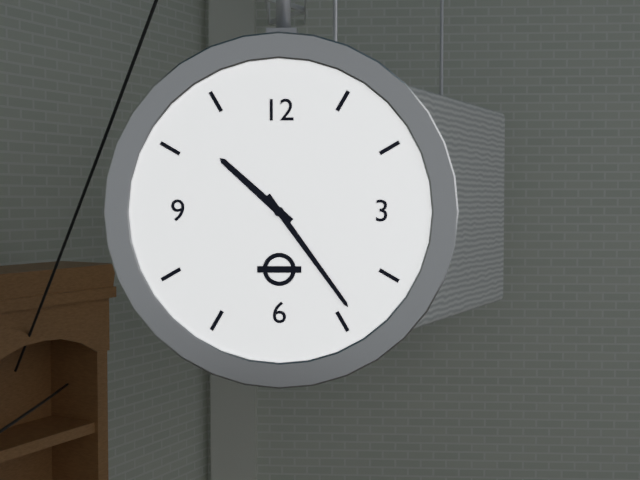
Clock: 10 h 24 min
